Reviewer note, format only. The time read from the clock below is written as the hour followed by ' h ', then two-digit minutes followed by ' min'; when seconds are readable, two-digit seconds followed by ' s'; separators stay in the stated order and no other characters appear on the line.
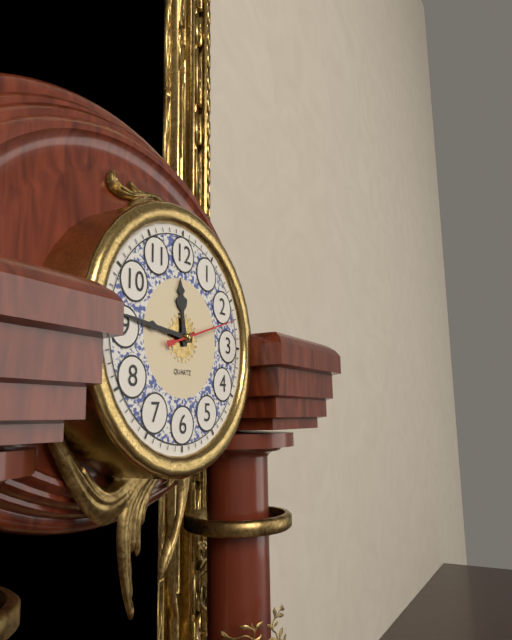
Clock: 11 h 46 min 12 s
